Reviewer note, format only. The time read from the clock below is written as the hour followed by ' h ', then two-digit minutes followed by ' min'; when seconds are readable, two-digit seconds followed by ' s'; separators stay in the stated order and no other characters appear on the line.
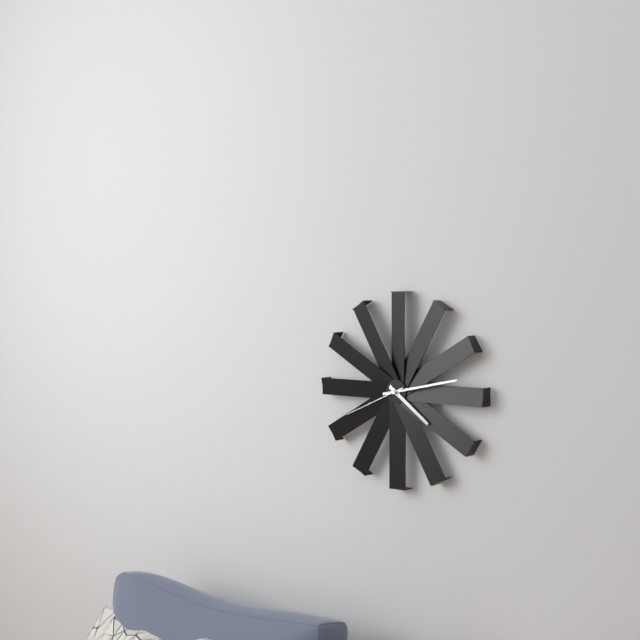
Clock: 4 h 13 min 41 s
